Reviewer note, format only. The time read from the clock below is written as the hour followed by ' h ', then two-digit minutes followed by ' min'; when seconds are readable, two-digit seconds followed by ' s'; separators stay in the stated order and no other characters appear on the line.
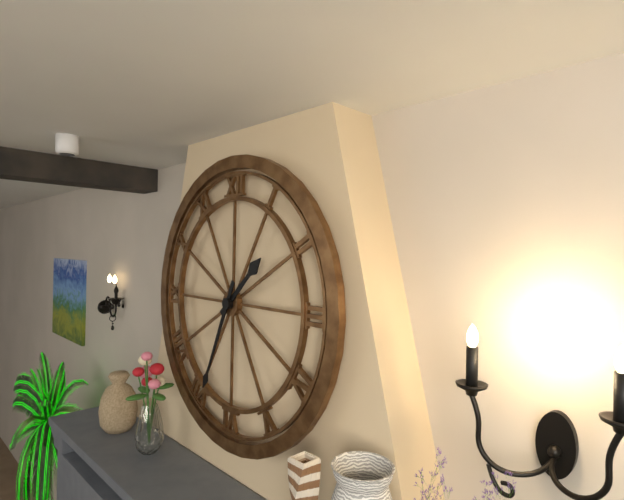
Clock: 1 h 34 min
